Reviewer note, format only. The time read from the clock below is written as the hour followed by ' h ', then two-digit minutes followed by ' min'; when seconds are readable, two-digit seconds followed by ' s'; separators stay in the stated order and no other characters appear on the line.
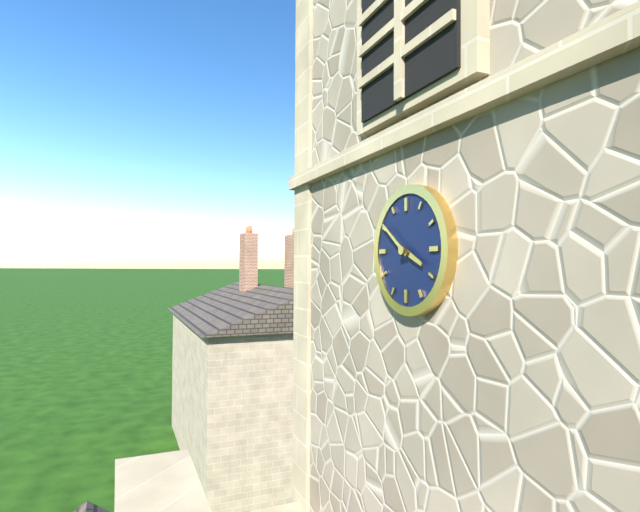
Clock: 3 h 51 min
